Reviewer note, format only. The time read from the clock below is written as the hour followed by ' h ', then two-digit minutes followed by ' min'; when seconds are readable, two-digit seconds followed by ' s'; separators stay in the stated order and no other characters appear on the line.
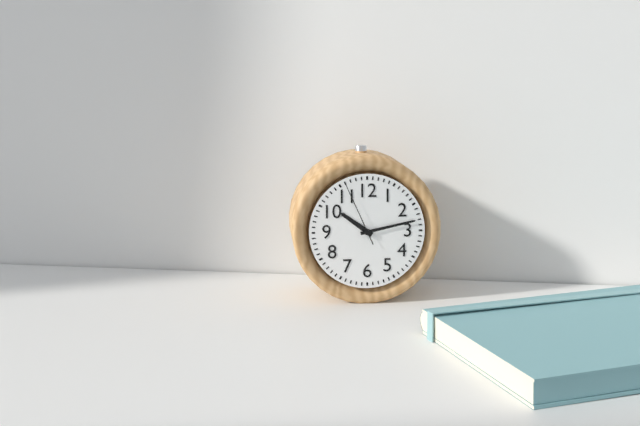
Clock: 10 h 13 min 56 s
